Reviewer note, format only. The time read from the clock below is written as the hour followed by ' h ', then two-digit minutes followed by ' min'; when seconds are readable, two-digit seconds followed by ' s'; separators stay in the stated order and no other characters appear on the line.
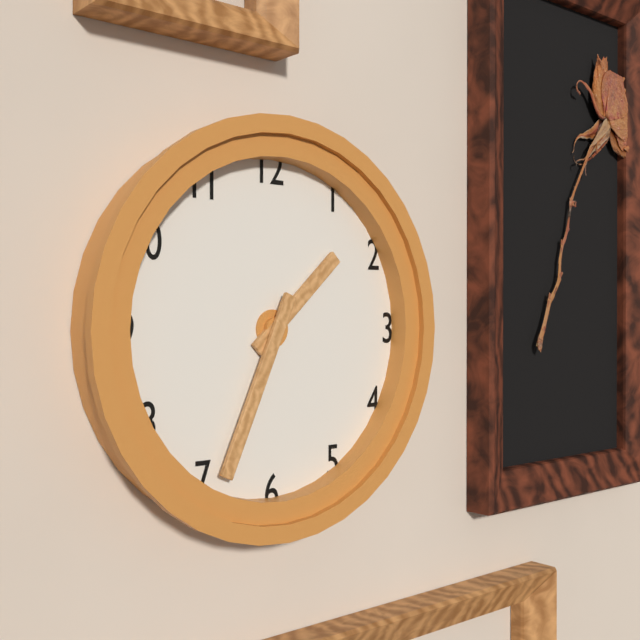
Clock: 1 h 34 min
